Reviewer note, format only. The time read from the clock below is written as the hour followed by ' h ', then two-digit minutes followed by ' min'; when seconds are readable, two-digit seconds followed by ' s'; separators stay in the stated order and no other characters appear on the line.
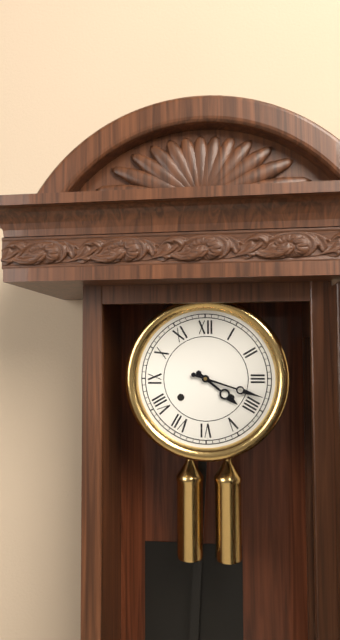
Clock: 4 h 18 min
